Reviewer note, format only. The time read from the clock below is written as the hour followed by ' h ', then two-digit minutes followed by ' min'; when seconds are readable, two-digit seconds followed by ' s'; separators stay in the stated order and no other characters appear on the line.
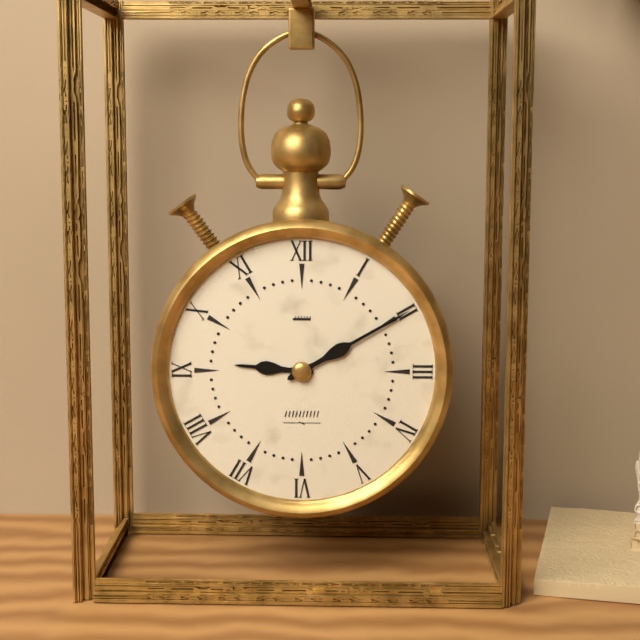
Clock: 9 h 10 min
